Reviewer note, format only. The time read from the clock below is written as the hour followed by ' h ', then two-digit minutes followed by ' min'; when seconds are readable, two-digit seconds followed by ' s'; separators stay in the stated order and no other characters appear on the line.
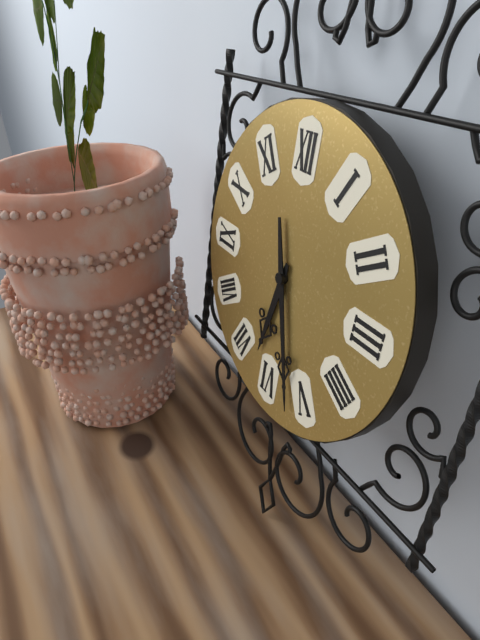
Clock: 6 h 27 min
